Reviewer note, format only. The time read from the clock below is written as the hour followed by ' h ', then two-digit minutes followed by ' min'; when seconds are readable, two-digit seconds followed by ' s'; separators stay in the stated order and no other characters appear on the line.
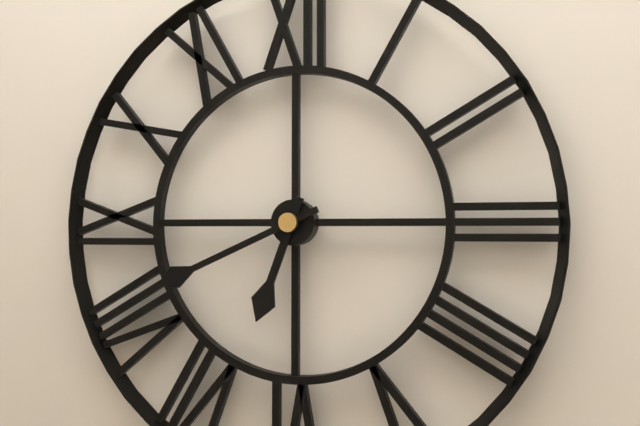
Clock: 6 h 41 min
